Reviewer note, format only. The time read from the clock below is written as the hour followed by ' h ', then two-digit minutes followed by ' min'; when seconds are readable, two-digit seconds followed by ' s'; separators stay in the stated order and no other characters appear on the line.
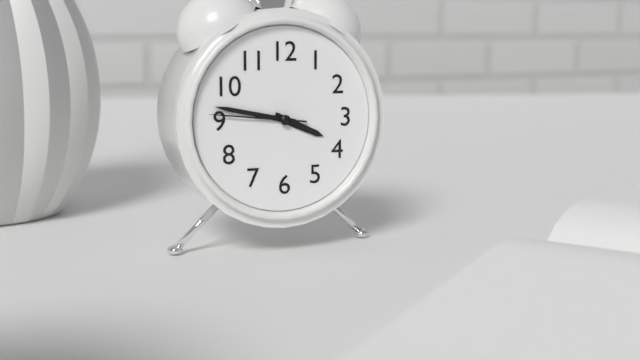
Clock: 3 h 47 min 46 s
